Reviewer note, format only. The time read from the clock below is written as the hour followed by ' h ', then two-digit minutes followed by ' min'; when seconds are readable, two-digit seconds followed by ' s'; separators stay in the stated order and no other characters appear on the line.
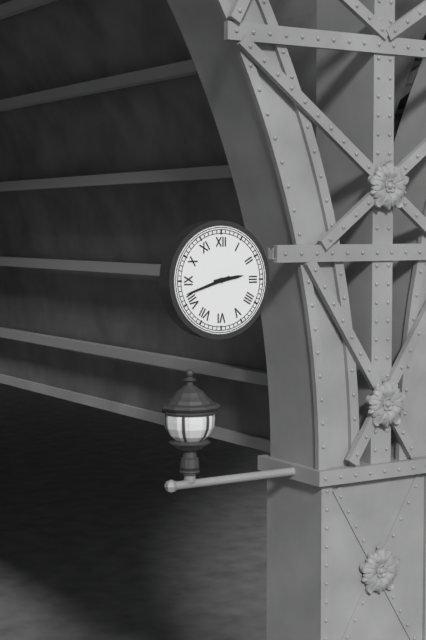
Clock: 2 h 42 min
